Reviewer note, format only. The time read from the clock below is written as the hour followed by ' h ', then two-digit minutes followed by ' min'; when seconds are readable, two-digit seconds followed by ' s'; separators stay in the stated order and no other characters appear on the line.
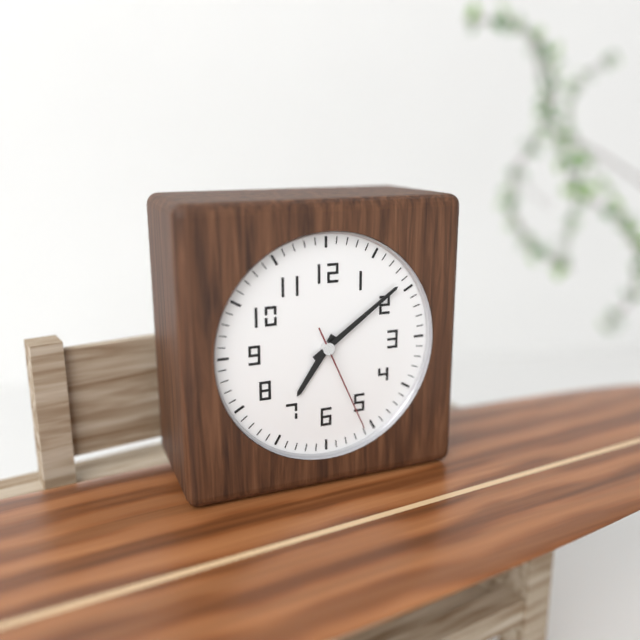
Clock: 7 h 09 min 26 s
